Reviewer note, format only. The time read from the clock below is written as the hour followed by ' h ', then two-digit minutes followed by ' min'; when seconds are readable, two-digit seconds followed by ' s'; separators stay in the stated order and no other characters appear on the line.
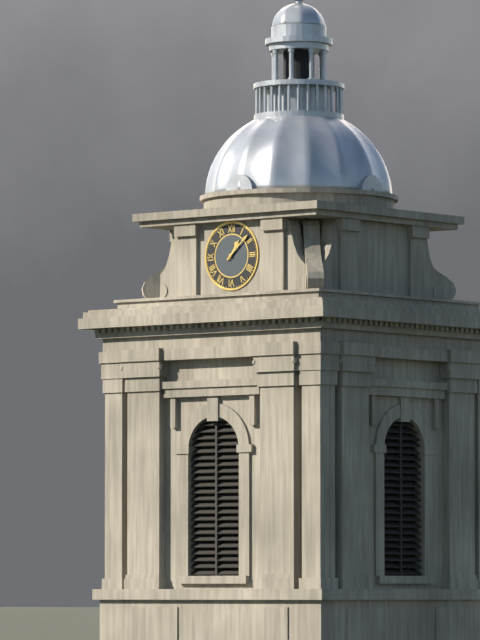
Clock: 1 h 08 min
